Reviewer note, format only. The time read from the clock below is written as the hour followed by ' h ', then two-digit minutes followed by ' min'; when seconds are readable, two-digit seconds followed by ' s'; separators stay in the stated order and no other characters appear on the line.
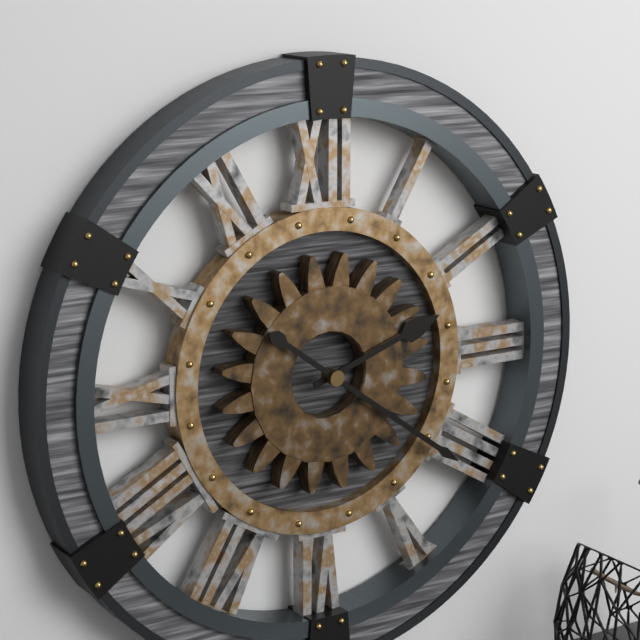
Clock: 2 h 21 min
